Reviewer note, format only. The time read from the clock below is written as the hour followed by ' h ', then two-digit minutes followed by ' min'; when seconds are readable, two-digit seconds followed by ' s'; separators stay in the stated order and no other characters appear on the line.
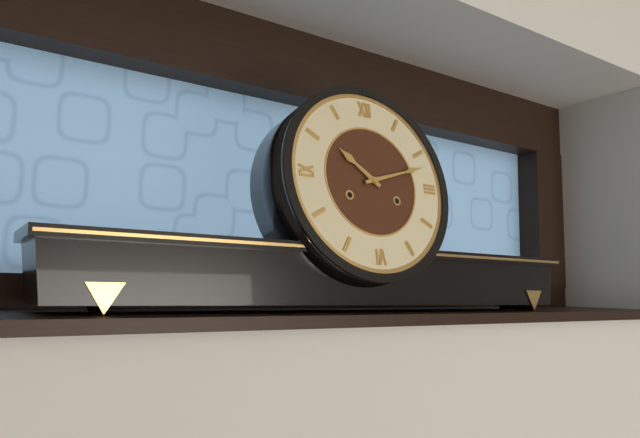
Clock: 10 h 12 min
